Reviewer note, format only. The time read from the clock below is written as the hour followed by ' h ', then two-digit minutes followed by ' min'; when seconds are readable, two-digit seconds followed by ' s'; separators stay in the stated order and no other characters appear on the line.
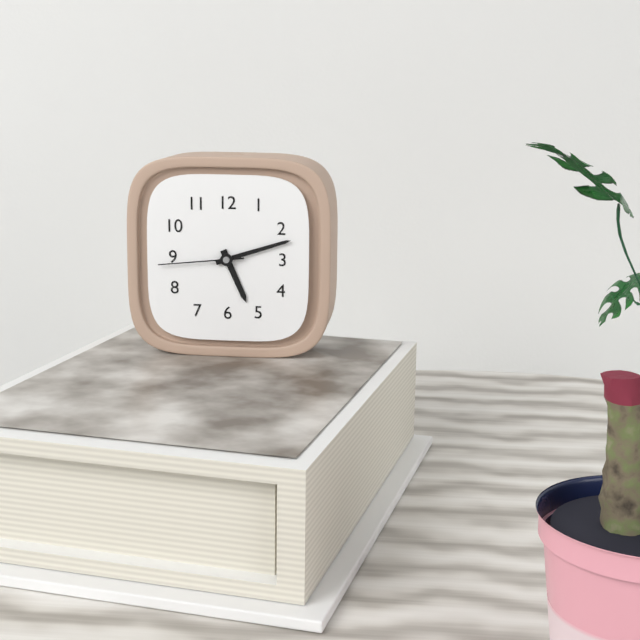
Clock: 5 h 12 min 44 s
